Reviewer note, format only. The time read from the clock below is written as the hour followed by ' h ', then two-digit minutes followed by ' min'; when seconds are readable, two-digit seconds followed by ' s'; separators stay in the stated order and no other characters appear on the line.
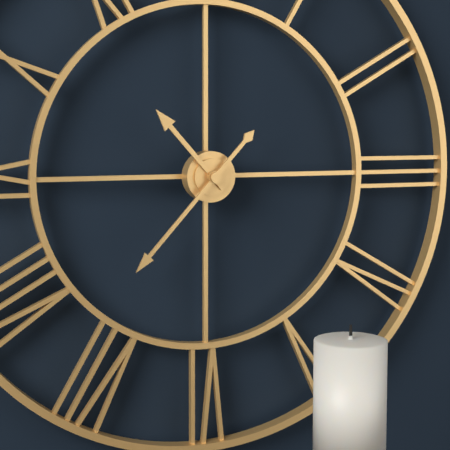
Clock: 10 h 37 min
